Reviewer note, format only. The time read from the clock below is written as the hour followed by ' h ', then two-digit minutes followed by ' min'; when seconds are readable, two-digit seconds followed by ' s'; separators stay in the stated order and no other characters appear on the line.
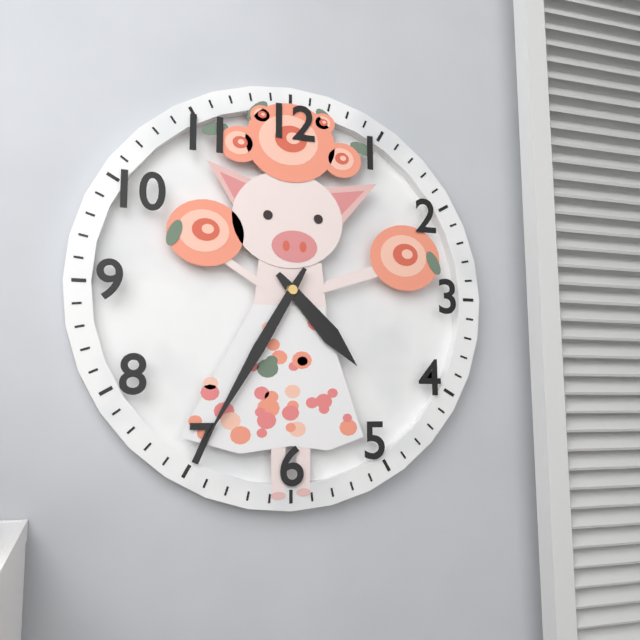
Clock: 4 h 35 min
